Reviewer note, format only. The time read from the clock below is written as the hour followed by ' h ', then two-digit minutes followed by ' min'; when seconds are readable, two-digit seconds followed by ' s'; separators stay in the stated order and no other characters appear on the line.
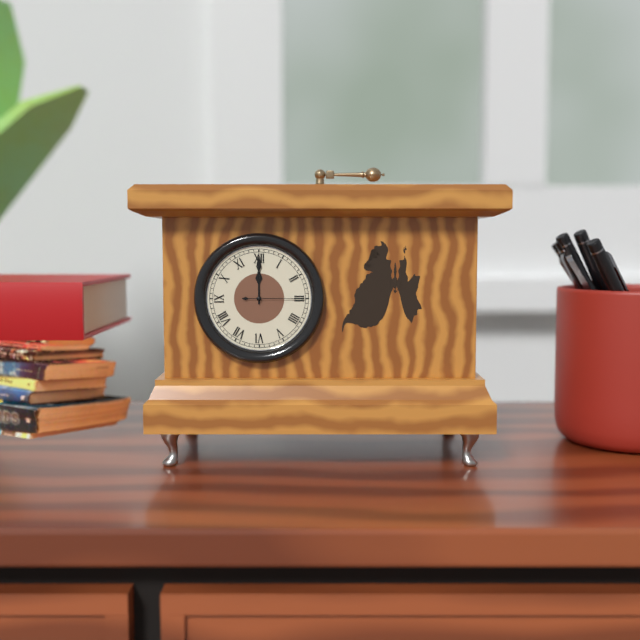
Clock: 12 h 00 min 15 s
